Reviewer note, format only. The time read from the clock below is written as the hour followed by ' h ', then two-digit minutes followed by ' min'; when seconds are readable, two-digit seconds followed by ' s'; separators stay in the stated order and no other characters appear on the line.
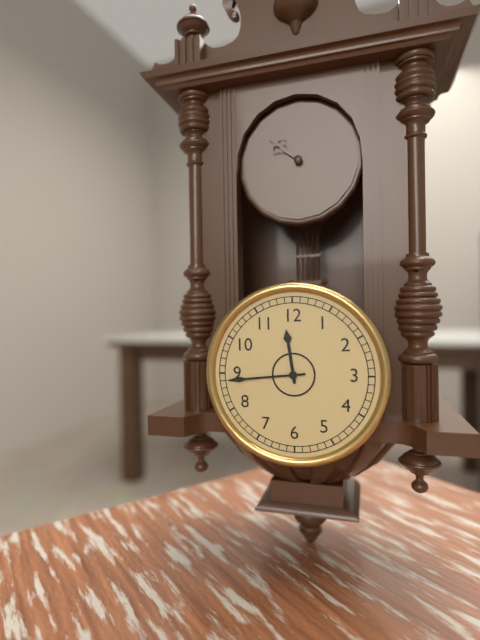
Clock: 11 h 44 min
